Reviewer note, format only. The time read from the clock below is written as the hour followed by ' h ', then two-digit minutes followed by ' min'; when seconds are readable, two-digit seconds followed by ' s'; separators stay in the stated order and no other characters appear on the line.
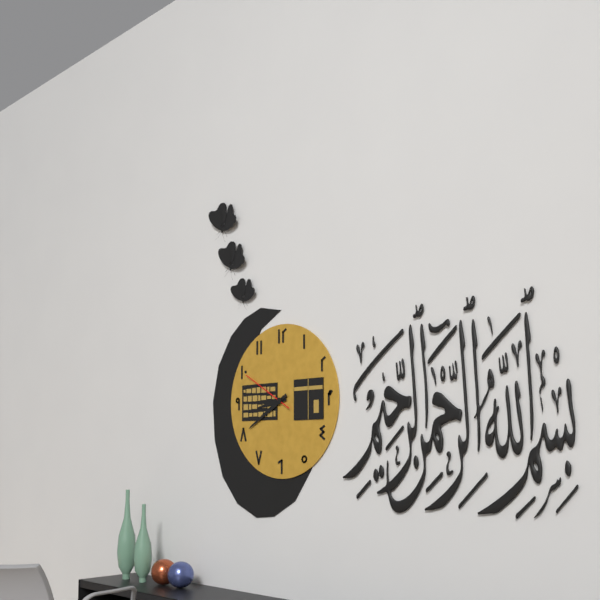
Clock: 8 h 40 min 50 s
